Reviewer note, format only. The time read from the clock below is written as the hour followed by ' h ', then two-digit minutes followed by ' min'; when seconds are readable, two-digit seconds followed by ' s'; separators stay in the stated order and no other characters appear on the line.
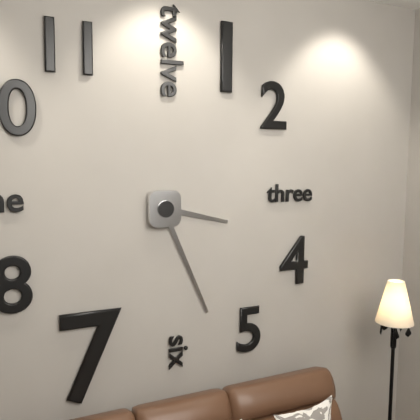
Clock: 3 h 26 min
